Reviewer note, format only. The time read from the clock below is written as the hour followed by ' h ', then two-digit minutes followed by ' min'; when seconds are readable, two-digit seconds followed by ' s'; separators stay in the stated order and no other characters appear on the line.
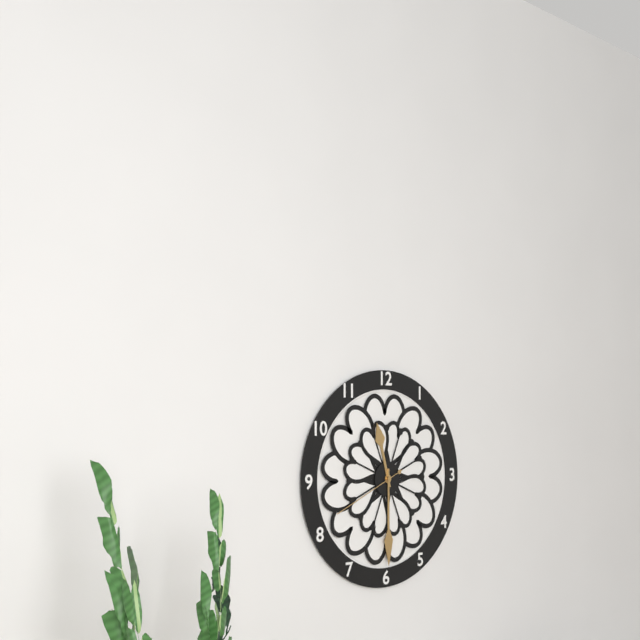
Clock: 11 h 30 min 41 s
